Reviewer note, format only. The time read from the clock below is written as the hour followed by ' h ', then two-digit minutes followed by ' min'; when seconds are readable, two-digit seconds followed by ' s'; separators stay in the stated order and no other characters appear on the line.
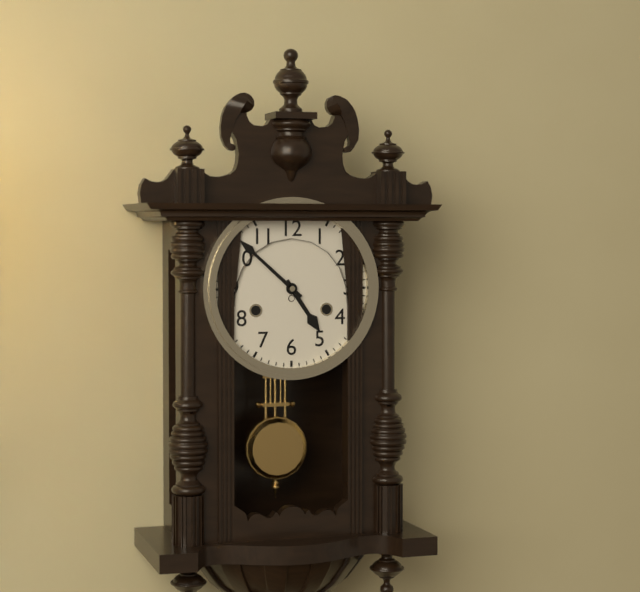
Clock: 4 h 52 min
